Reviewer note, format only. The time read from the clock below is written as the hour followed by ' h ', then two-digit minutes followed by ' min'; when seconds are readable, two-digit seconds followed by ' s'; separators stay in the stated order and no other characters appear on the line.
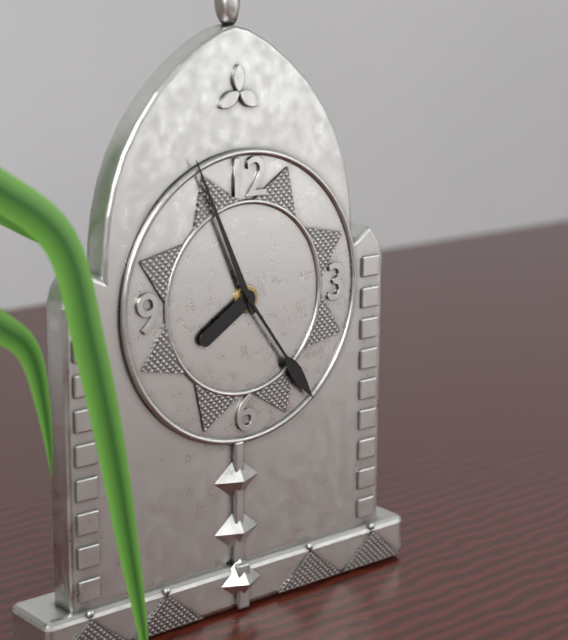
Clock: 7 h 56 min 24 s
